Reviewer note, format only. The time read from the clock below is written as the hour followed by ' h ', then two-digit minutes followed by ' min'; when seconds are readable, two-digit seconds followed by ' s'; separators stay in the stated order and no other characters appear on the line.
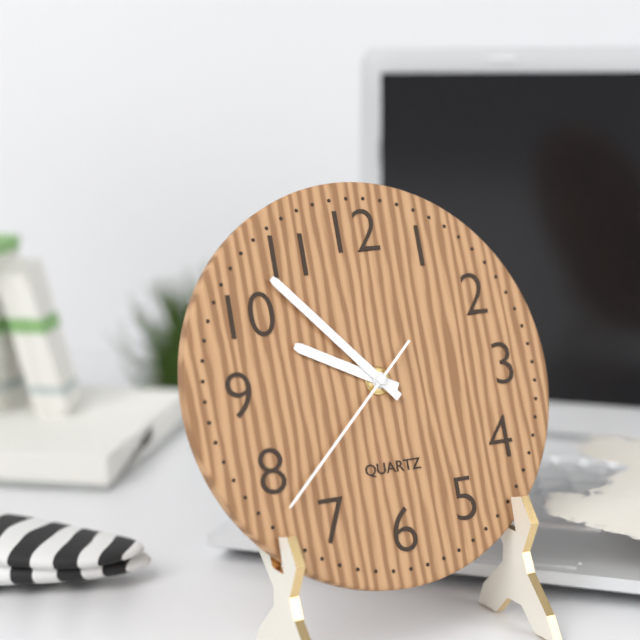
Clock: 9 h 53 min 38 s
